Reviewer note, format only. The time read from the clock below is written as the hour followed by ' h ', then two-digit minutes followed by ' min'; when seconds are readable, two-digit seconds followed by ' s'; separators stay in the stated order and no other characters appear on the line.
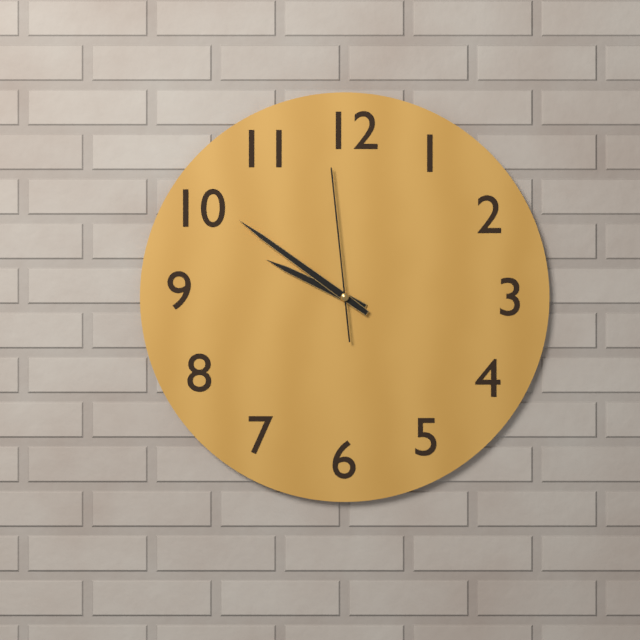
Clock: 9 h 51 min 59 s
